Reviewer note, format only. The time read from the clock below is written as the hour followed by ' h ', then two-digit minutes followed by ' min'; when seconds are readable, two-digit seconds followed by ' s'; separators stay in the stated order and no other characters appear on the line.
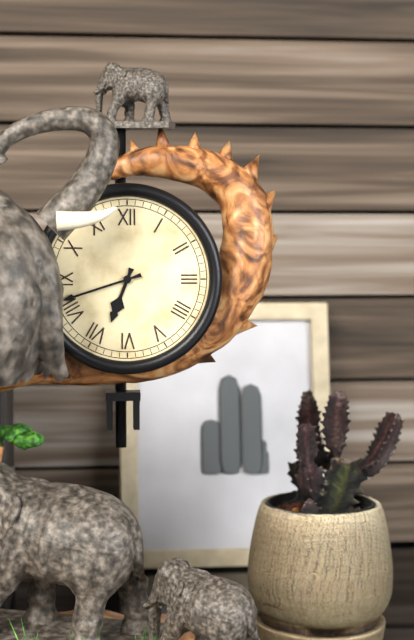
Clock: 6 h 42 min
